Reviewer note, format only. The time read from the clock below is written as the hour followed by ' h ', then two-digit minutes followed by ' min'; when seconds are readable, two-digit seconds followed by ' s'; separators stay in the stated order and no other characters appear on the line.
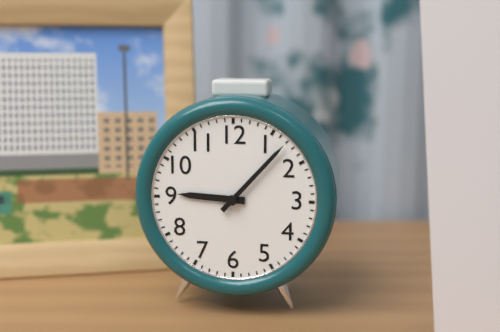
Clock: 9 h 07 min
